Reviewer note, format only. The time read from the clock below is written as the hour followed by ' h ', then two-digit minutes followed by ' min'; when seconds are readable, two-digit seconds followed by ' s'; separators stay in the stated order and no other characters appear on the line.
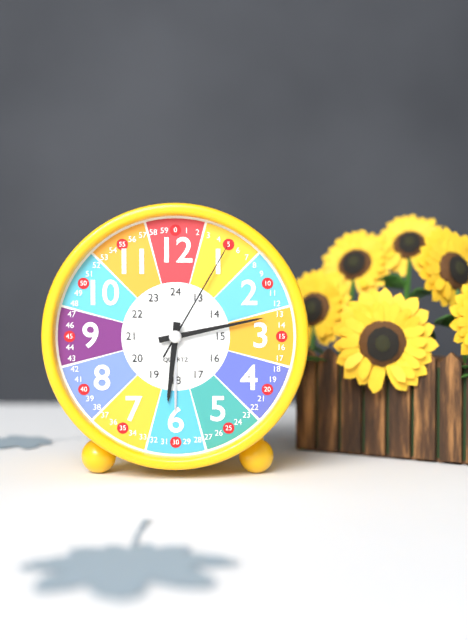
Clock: 6 h 13 min 05 s
